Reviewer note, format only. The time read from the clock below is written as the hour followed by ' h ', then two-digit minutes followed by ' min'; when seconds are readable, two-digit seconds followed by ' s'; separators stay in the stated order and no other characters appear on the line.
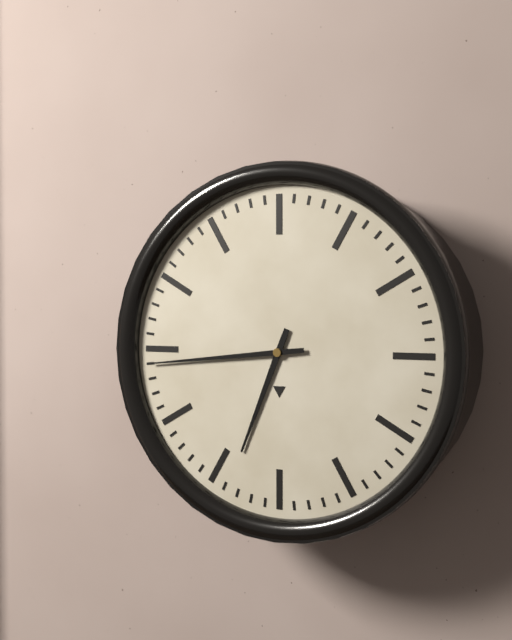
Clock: 6 h 44 min
